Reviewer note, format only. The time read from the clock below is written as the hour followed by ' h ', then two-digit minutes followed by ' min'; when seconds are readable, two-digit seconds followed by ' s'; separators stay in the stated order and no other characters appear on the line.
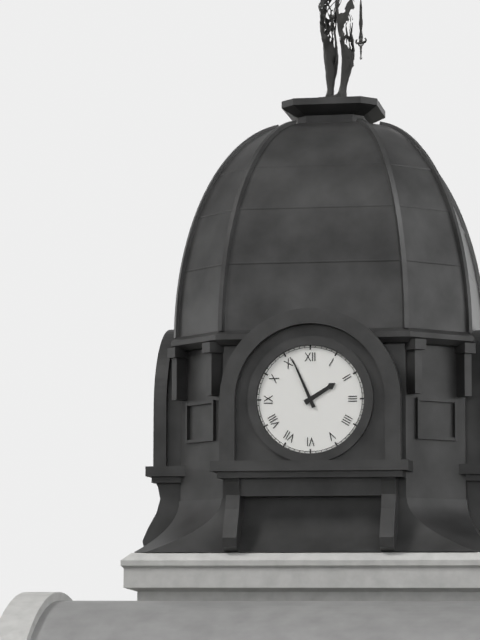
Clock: 1 h 56 min
